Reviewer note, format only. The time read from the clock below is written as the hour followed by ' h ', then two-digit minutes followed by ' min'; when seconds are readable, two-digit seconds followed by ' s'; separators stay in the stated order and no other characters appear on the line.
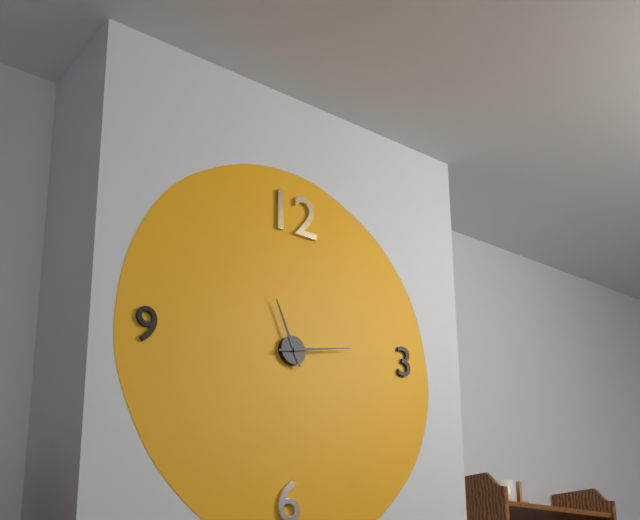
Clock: 11 h 13 min
